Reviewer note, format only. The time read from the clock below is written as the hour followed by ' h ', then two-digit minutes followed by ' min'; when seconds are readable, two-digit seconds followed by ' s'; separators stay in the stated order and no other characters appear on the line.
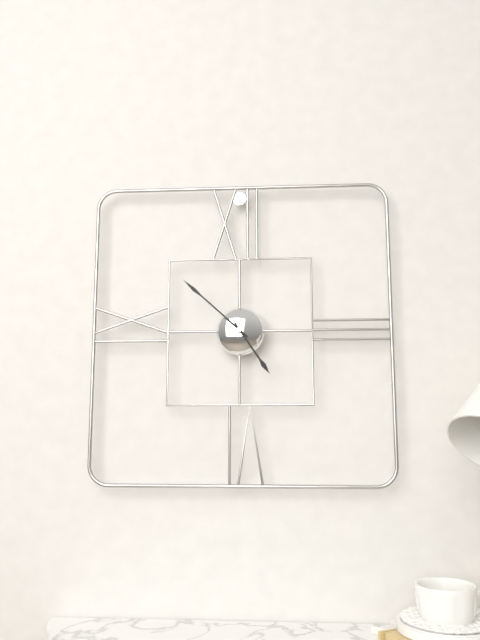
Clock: 4 h 52 min
